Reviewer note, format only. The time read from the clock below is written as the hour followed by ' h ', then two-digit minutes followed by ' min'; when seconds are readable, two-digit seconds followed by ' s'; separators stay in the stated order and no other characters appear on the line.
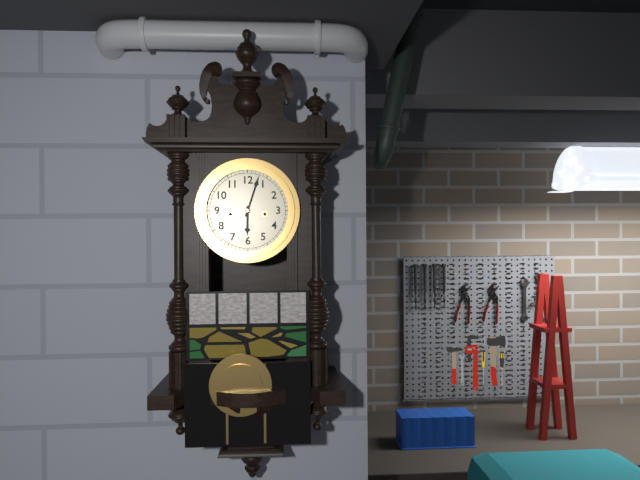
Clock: 6 h 03 min
